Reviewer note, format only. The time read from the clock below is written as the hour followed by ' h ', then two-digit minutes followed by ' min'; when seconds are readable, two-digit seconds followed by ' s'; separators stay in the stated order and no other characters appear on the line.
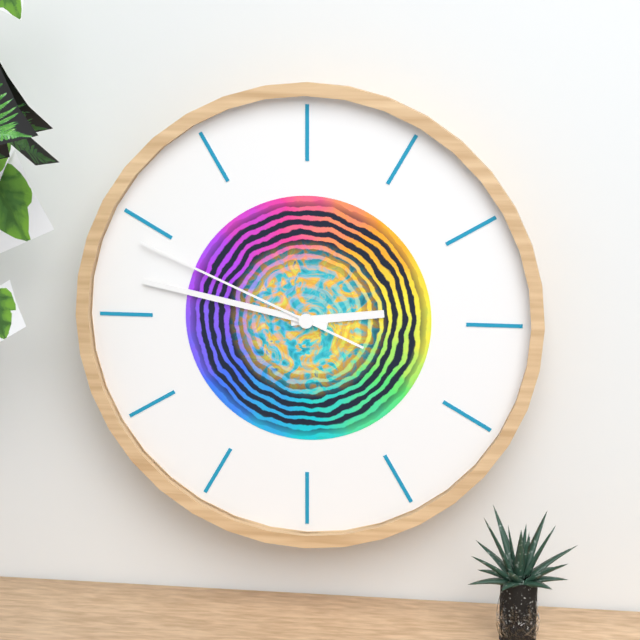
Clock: 2 h 47 min 49 s
